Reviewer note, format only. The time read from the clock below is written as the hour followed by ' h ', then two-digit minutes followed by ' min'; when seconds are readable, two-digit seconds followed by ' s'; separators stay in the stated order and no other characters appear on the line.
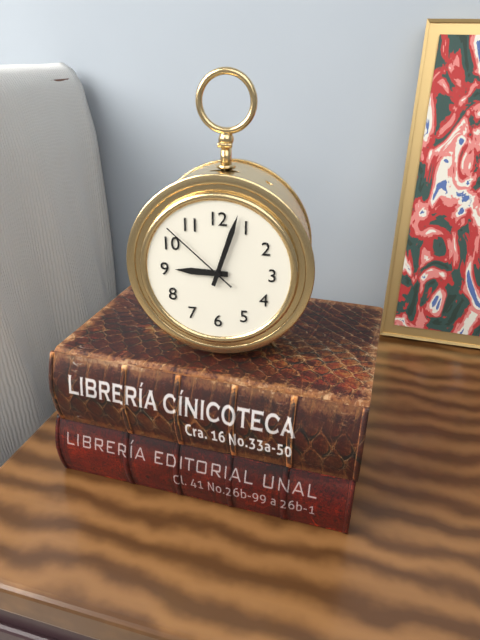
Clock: 9 h 03 min 52 s
